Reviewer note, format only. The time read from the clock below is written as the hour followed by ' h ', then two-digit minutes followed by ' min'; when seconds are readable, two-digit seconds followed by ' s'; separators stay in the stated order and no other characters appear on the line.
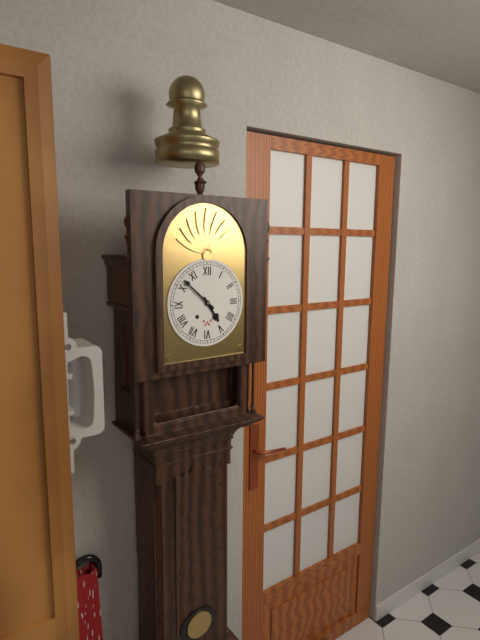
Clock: 4 h 52 min
